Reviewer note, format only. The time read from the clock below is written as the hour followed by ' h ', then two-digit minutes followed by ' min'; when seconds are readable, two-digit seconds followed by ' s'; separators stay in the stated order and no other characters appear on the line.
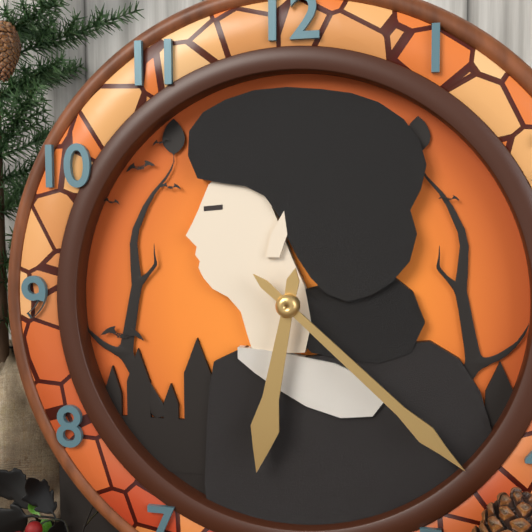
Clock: 6 h 22 min
